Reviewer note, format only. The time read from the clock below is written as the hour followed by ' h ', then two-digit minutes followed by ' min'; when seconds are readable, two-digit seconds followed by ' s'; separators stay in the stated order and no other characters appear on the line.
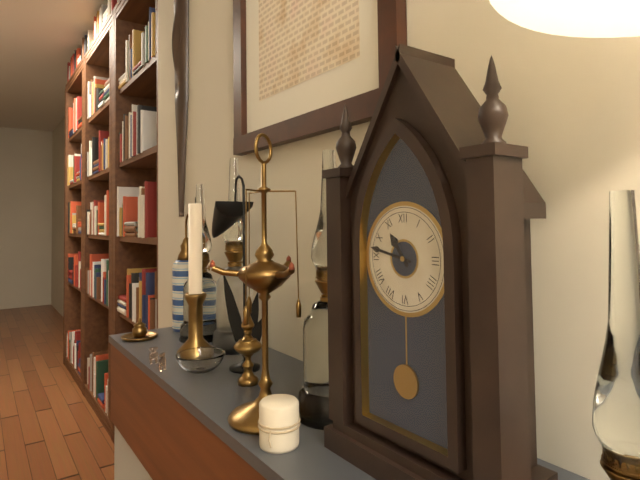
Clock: 10 h 47 min
